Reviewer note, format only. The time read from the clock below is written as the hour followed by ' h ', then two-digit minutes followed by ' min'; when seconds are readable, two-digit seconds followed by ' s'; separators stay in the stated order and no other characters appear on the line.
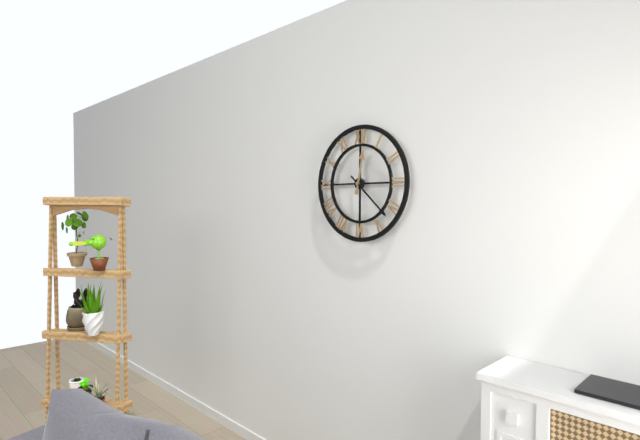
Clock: 12 h 22 min
